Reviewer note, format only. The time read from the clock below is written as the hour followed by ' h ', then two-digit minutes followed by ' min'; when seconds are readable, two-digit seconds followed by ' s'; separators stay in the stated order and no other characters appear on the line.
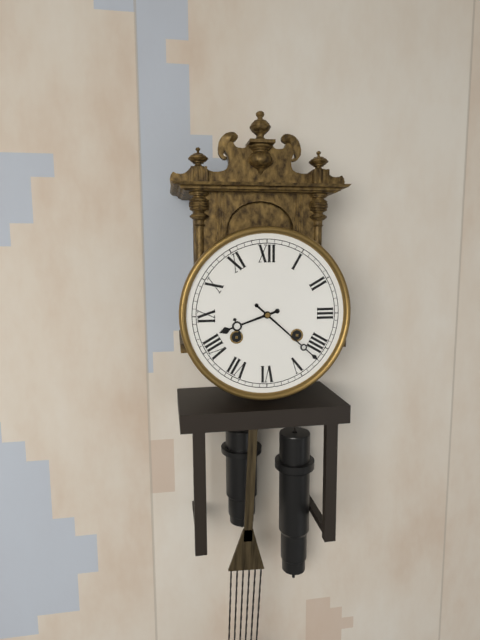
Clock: 8 h 22 min
